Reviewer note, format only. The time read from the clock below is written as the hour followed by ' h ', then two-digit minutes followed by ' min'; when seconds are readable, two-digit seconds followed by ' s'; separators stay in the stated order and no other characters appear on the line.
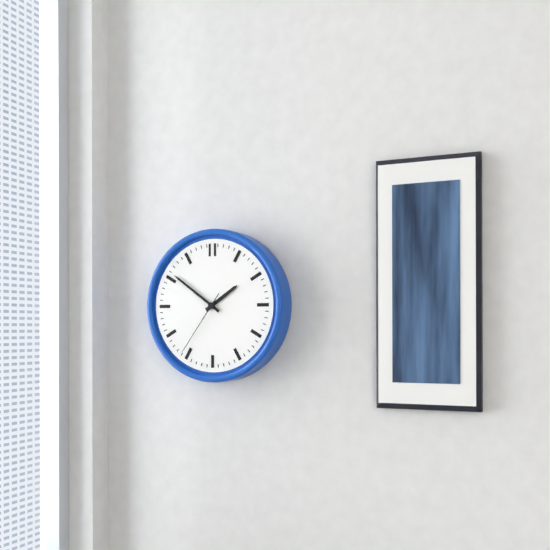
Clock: 1 h 51 min 36 s
